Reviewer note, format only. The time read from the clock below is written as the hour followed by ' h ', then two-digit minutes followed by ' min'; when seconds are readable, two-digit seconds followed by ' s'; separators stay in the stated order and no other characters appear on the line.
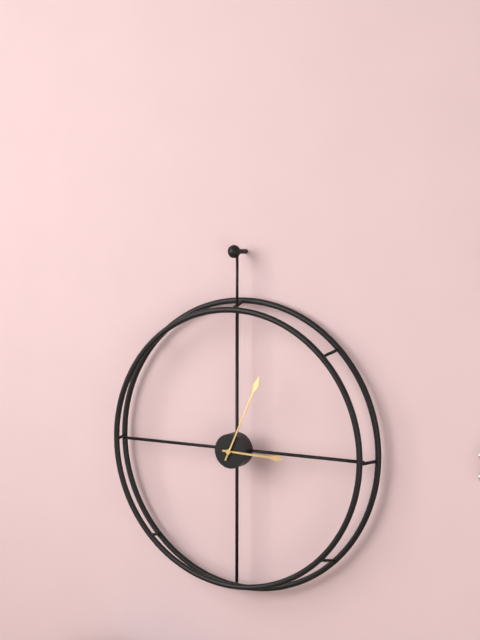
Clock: 3 h 04 min
